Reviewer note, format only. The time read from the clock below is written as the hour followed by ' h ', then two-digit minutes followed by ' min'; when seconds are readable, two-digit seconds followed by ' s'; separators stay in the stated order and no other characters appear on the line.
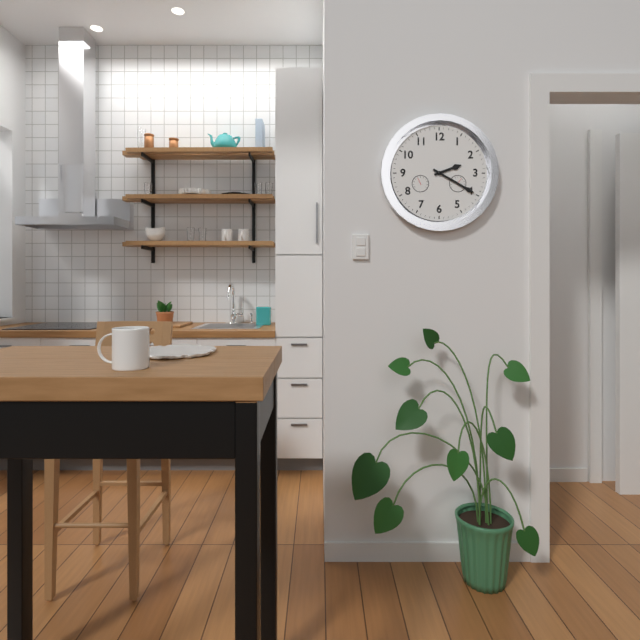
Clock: 2 h 20 min
